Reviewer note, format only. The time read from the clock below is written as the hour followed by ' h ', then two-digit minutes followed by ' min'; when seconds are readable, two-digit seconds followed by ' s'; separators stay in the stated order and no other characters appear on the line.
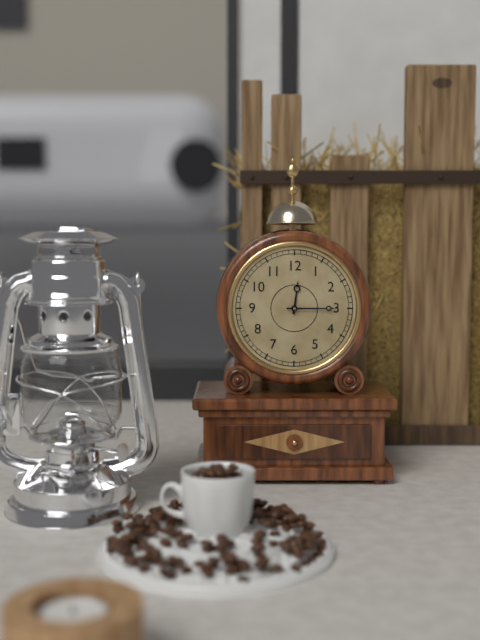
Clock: 12 h 15 min
